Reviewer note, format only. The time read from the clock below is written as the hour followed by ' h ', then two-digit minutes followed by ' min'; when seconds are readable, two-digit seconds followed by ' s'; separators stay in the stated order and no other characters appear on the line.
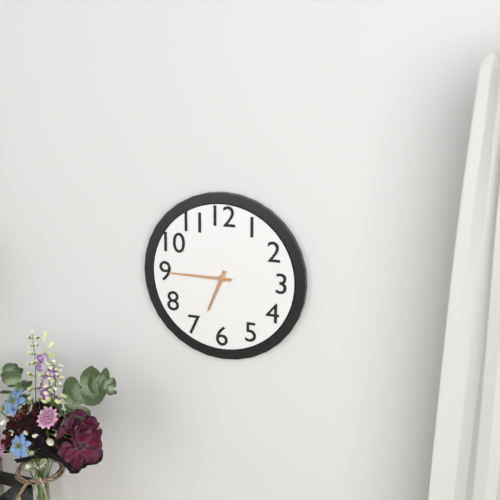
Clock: 6 h 45 min
